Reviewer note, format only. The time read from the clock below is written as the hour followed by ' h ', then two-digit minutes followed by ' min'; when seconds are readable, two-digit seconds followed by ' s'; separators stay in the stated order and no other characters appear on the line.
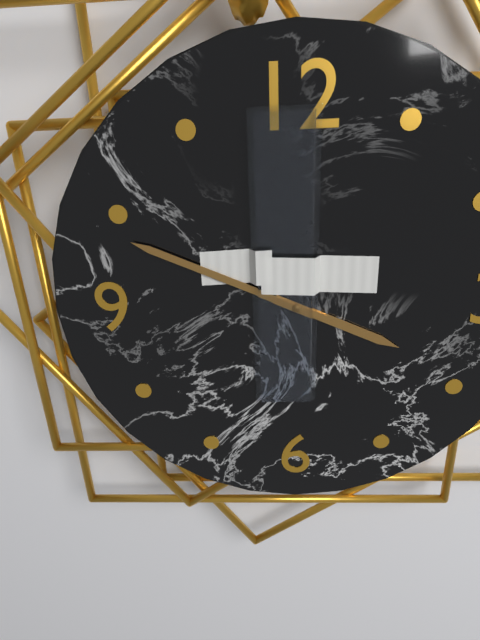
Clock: 3 h 49 min
